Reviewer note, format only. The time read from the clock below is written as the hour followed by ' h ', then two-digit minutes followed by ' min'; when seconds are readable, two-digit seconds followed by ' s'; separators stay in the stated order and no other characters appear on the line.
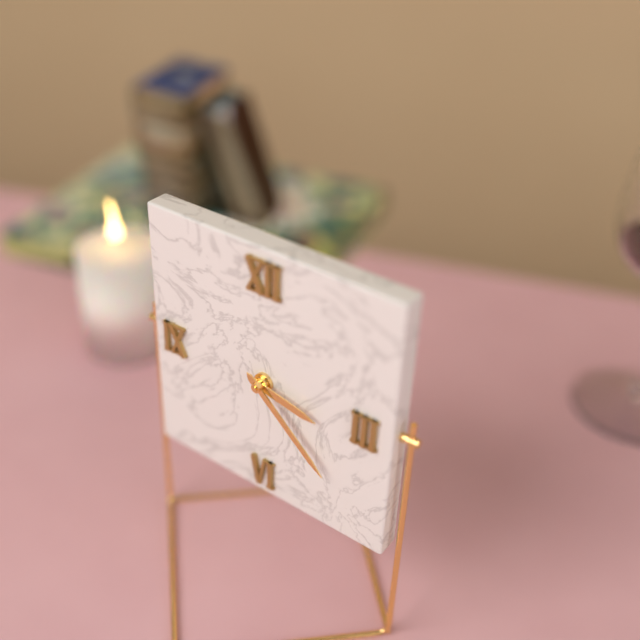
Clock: 3 h 22 min
